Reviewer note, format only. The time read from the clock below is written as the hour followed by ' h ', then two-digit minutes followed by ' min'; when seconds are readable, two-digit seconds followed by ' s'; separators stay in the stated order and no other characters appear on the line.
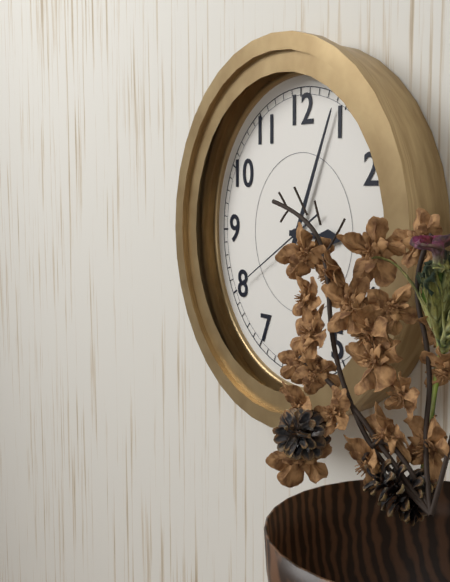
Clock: 3 h 04 min 40 s
